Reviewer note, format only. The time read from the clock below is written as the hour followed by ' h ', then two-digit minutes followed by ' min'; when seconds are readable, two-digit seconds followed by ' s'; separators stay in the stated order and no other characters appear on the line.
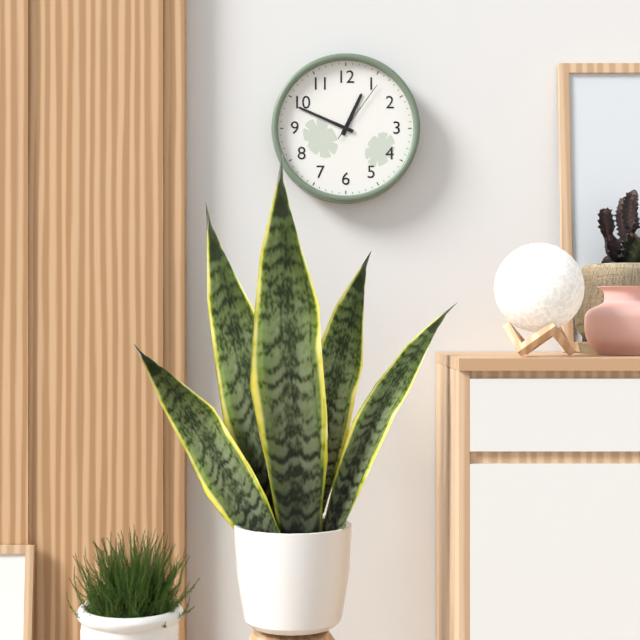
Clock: 12 h 49 min 06 s
